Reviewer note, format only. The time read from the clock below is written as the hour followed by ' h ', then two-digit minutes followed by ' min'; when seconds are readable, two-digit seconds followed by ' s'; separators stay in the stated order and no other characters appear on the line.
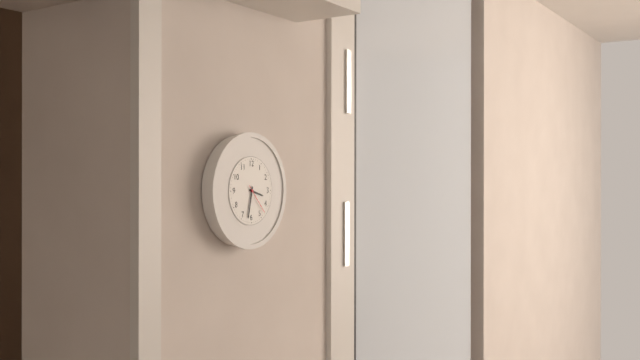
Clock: 3 h 32 min
